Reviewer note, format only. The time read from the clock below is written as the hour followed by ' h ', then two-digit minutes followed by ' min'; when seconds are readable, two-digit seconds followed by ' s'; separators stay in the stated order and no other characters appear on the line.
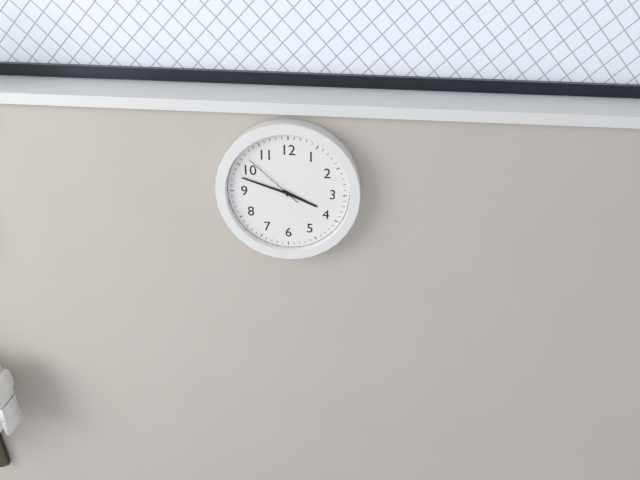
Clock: 3 h 48 min 52 s
